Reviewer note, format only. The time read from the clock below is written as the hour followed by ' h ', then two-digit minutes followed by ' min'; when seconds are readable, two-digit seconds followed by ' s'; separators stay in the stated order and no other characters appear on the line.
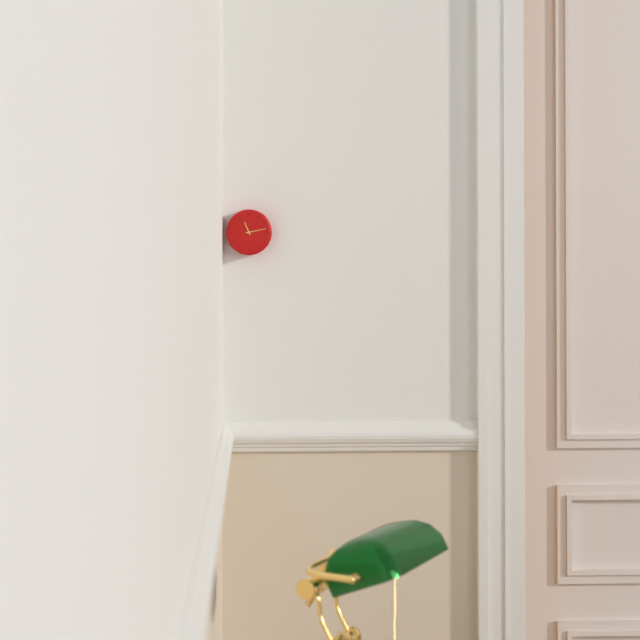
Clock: 11 h 13 min
